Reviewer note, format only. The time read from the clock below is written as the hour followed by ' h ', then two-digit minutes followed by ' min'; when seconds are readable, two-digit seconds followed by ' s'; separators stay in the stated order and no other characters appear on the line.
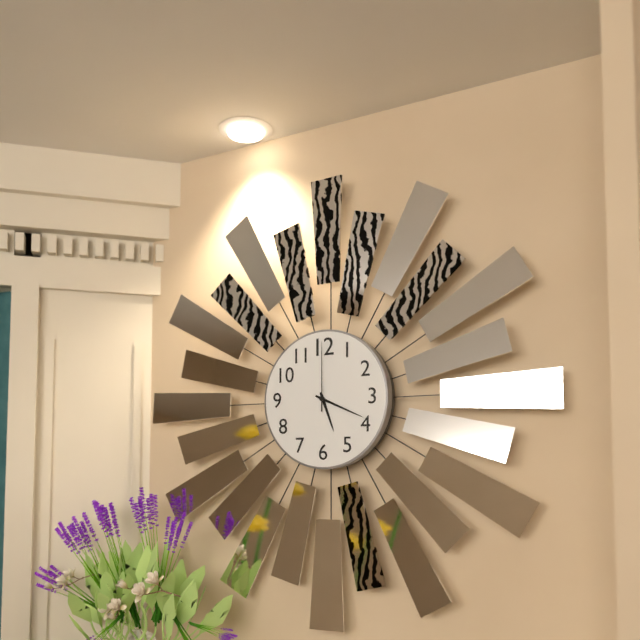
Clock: 5 h 19 min 00 s
